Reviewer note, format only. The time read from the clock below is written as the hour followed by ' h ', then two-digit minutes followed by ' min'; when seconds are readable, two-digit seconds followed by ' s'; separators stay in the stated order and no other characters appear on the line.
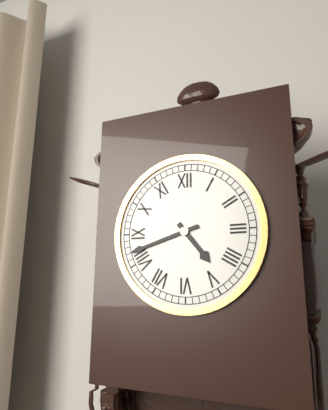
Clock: 4 h 42 min
